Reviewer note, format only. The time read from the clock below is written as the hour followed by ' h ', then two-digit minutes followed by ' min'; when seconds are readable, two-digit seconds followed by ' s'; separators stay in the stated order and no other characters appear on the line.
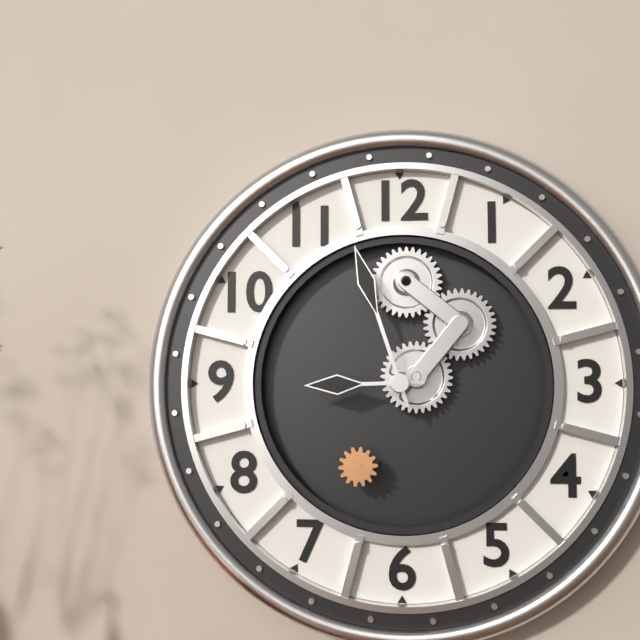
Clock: 8 h 57 min
